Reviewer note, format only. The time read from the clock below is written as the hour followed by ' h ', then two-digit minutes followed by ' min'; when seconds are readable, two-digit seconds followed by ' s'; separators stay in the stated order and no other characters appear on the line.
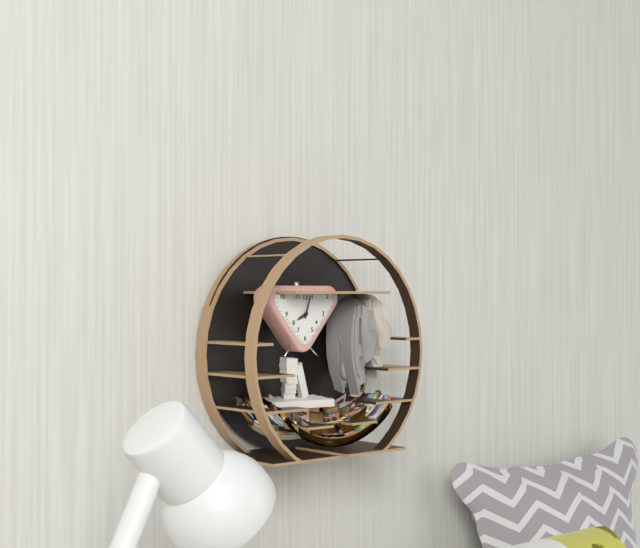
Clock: 8 h 03 min
